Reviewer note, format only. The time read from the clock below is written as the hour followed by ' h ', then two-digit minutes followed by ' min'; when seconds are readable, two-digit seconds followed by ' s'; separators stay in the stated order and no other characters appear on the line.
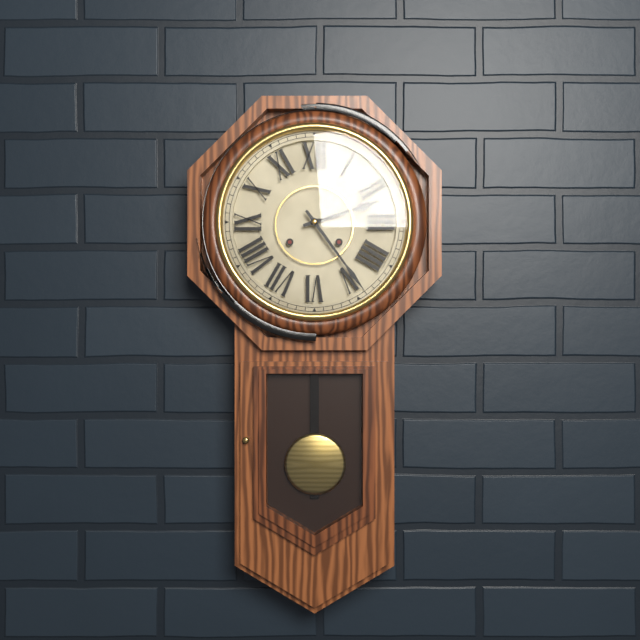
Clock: 2 h 24 min
